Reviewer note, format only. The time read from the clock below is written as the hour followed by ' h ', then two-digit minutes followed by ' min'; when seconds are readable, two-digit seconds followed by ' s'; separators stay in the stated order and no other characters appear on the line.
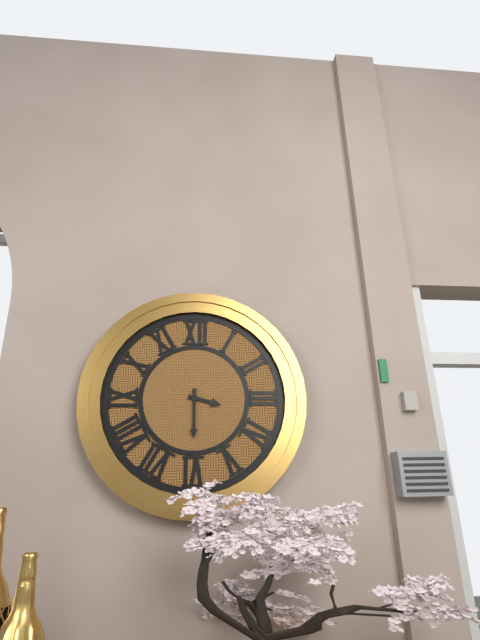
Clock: 3 h 30 min
